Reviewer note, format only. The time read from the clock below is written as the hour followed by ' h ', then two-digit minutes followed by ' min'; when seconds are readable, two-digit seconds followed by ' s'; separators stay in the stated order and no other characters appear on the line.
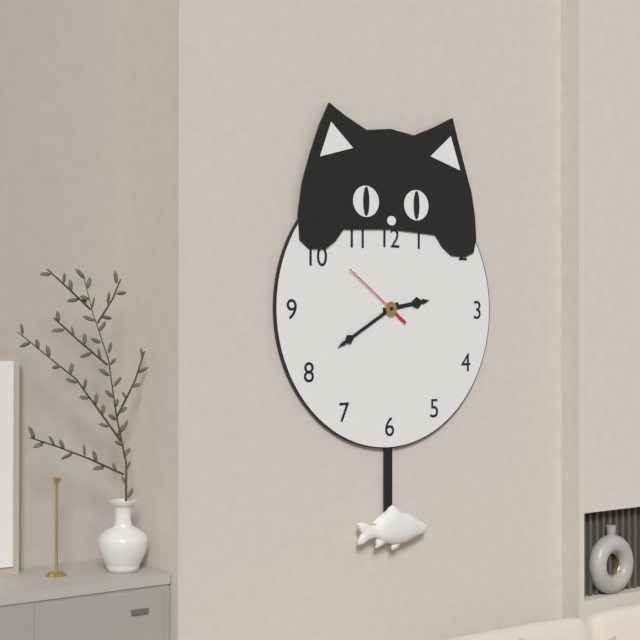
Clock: 2 h 40 min 51 s
